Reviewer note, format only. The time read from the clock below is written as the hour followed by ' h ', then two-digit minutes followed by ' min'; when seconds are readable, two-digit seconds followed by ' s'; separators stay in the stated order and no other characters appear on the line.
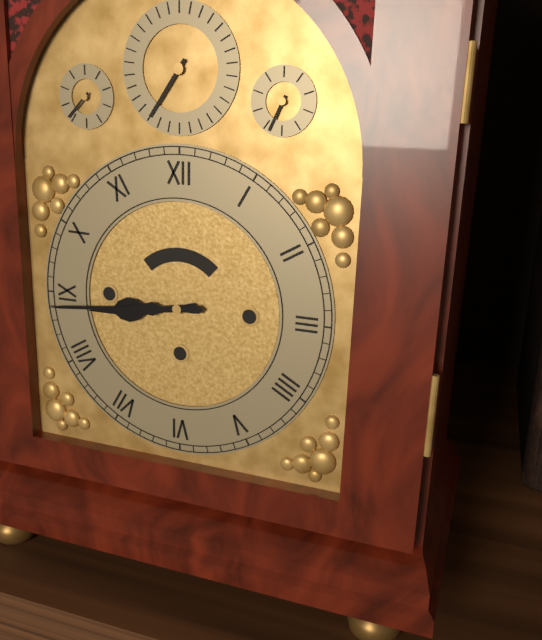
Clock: 8 h 44 min
